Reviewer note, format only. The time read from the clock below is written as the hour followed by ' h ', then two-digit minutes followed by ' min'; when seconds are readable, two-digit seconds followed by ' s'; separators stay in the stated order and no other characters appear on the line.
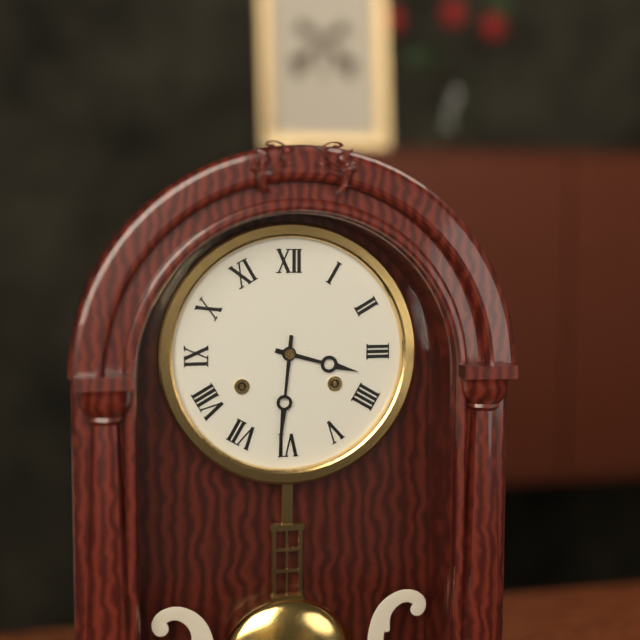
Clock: 3 h 31 min
